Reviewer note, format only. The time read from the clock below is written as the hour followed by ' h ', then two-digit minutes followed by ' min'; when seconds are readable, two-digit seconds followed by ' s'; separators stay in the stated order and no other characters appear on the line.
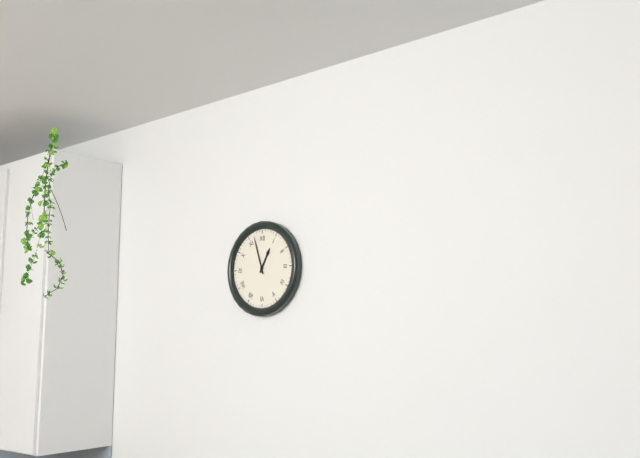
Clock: 12 h 57 min
